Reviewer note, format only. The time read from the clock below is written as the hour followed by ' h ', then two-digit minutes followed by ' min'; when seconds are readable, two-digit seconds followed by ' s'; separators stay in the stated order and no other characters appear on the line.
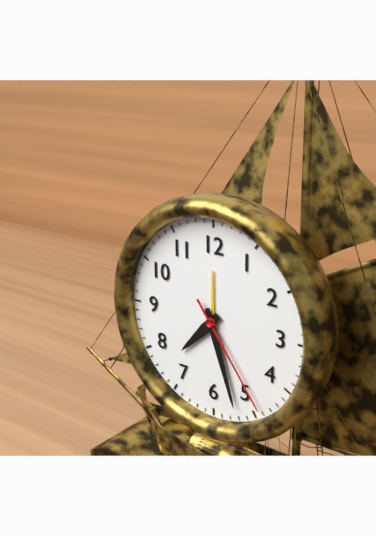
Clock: 7 h 27 min 24 s
